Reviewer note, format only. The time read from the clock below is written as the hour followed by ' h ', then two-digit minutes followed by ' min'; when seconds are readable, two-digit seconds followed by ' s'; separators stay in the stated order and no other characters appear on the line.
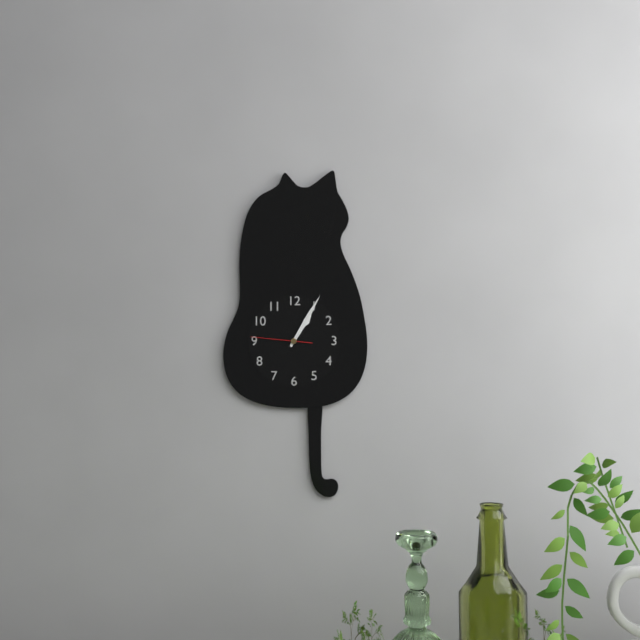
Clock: 1 h 05 min 46 s
